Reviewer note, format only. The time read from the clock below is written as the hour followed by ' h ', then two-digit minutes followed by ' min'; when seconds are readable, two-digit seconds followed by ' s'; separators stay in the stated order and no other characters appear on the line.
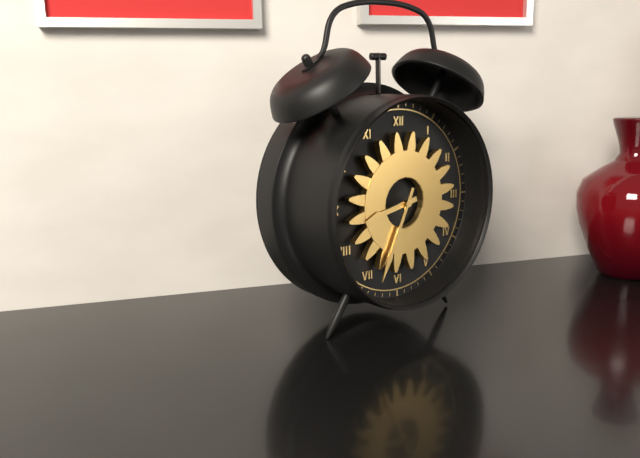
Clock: 8 h 34 min
